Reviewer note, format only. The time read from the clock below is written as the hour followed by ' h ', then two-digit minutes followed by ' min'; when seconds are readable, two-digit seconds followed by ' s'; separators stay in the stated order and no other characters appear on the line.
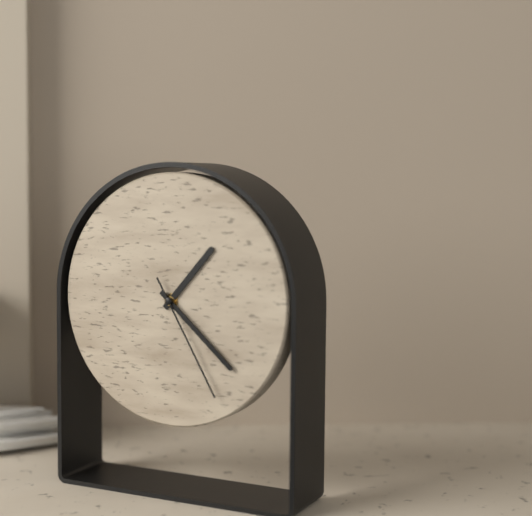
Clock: 1 h 22 min 25 s
